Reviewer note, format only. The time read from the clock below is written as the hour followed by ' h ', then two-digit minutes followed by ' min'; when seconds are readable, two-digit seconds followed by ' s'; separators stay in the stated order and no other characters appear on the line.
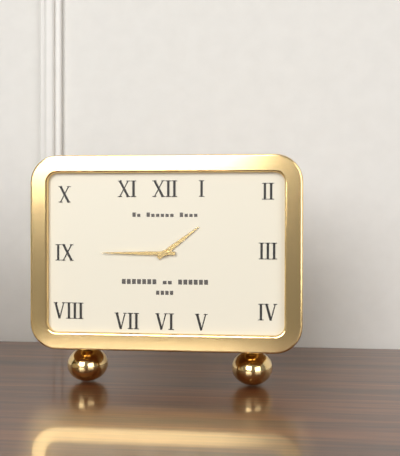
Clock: 1 h 45 min
